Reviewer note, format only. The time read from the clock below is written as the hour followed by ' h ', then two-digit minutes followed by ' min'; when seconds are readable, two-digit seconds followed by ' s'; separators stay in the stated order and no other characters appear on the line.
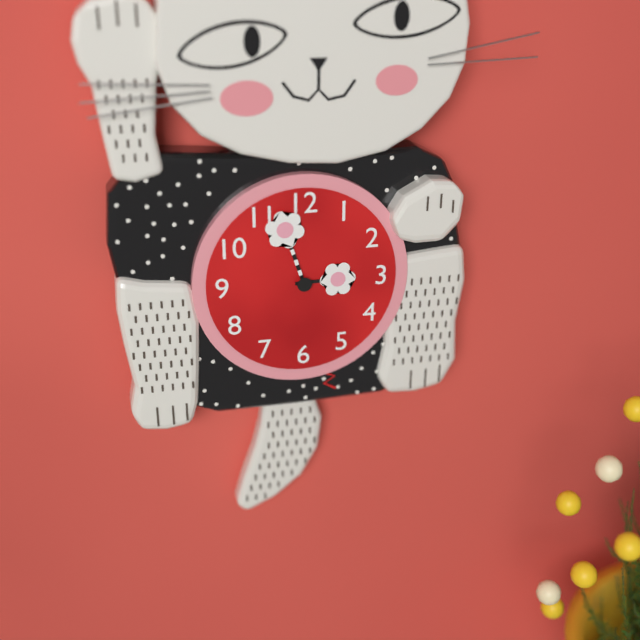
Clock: 2 h 57 min
